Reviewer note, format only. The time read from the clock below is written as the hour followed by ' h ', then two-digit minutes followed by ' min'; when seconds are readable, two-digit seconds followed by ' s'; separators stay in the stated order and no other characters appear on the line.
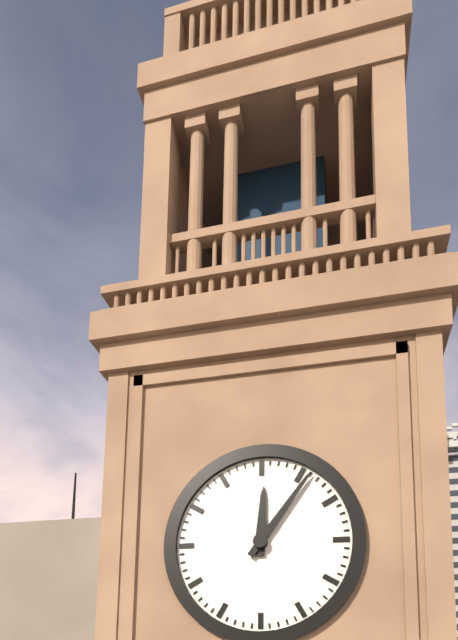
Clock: 12 h 06 min
